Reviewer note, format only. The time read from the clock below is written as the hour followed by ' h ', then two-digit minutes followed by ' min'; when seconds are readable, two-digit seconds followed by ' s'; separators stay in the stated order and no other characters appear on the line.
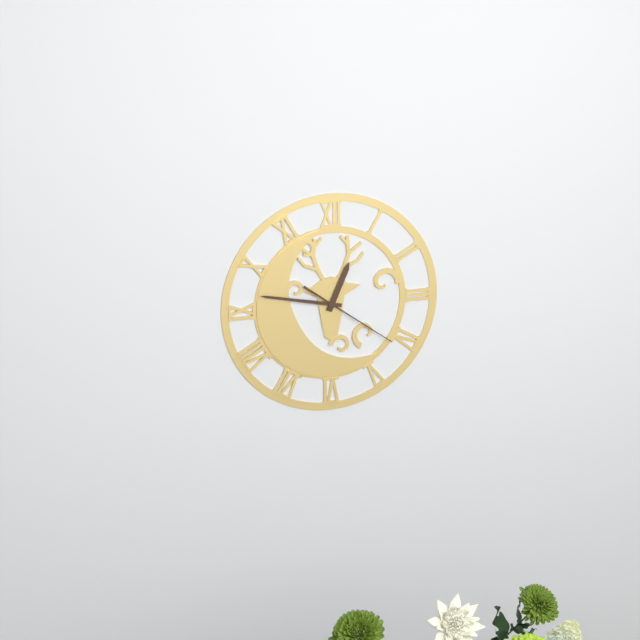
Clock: 12 h 47 min 21 s
